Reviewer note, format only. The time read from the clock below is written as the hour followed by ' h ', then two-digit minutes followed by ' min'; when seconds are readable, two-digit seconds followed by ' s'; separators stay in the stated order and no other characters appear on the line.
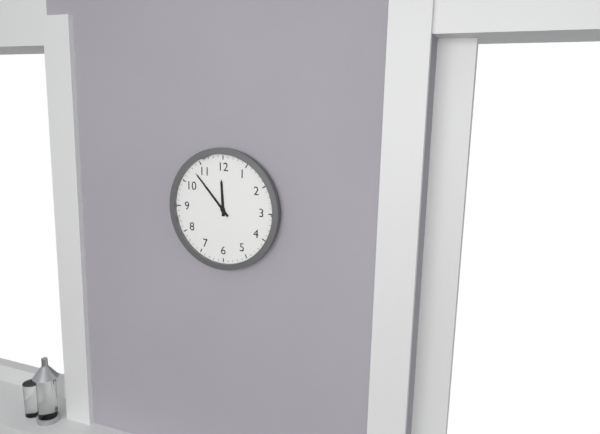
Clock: 11 h 53 min
